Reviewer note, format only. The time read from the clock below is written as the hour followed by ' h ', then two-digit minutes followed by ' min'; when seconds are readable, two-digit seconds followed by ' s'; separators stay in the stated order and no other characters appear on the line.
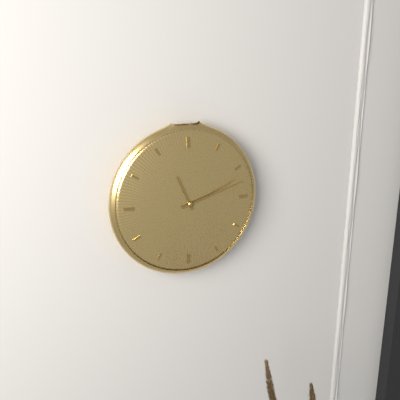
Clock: 11 h 12 min
